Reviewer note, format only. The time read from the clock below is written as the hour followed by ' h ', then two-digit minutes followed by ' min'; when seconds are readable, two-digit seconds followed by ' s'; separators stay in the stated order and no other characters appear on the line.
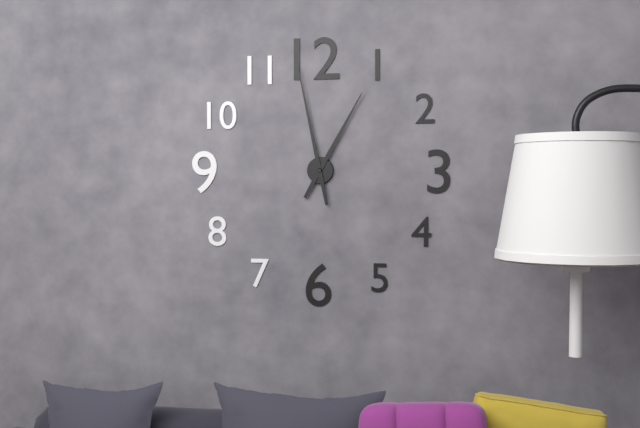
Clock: 12 h 58 min
